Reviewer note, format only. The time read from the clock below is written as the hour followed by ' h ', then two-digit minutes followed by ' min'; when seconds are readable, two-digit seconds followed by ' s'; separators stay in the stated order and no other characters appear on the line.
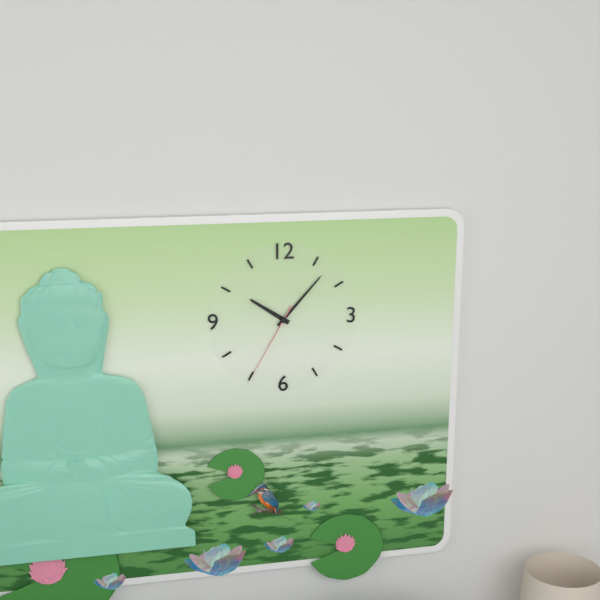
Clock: 10 h 07 min 35 s
